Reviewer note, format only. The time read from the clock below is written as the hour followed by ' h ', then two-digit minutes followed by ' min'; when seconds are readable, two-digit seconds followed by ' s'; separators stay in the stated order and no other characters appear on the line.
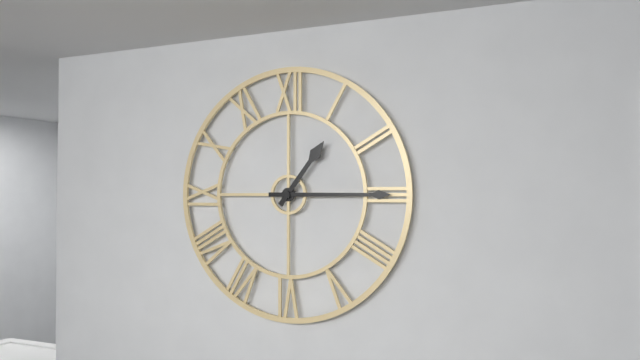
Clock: 1 h 15 min
